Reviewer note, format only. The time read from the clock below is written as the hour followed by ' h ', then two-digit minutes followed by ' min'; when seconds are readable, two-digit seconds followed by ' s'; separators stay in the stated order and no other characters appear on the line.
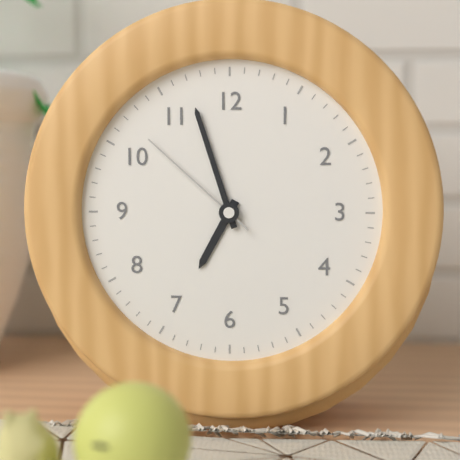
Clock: 6 h 57 min 52 s
